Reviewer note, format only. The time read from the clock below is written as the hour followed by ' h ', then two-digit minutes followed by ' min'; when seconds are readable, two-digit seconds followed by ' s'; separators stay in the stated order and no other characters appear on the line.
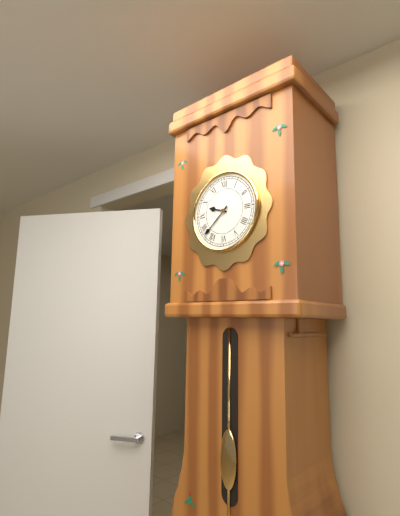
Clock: 9 h 38 min
